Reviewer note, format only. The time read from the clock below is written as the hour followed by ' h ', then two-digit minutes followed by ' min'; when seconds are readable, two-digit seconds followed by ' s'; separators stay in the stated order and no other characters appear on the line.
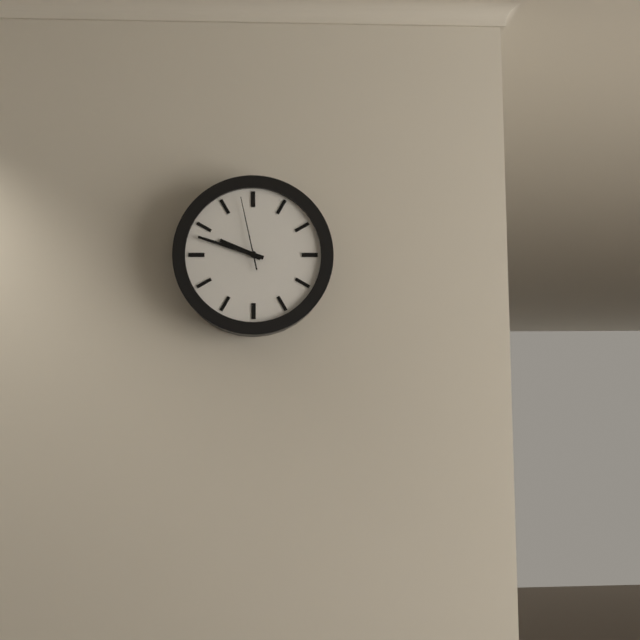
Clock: 9 h 48 min 58 s
